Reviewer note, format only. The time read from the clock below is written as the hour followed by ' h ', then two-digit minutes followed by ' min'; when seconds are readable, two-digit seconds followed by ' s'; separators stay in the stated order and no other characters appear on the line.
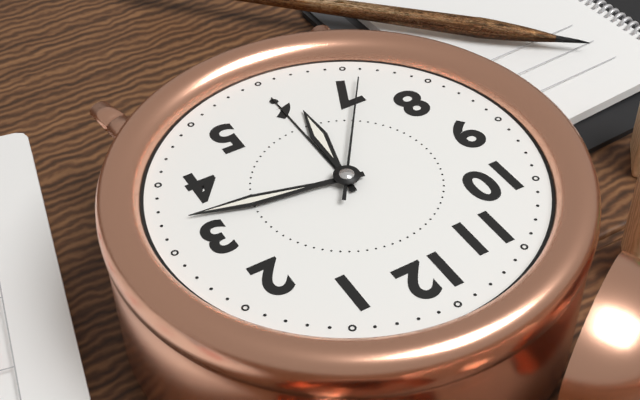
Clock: 6 h 17 min 36 s
